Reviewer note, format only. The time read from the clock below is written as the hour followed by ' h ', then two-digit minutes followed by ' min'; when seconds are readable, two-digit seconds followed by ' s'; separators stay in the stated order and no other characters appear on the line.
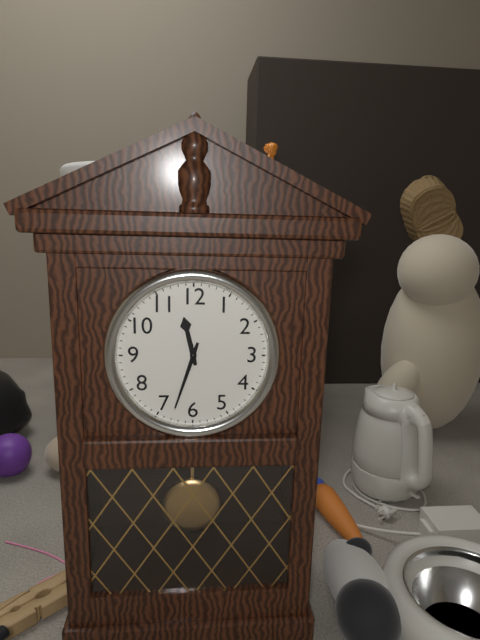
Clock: 11 h 33 min
